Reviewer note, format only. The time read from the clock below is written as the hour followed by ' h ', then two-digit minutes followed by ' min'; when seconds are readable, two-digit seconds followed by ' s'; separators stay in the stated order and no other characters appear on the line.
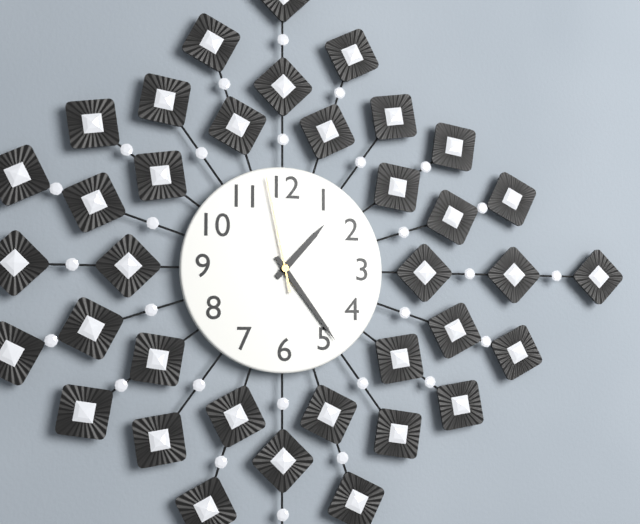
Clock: 1 h 24 min 58 s
